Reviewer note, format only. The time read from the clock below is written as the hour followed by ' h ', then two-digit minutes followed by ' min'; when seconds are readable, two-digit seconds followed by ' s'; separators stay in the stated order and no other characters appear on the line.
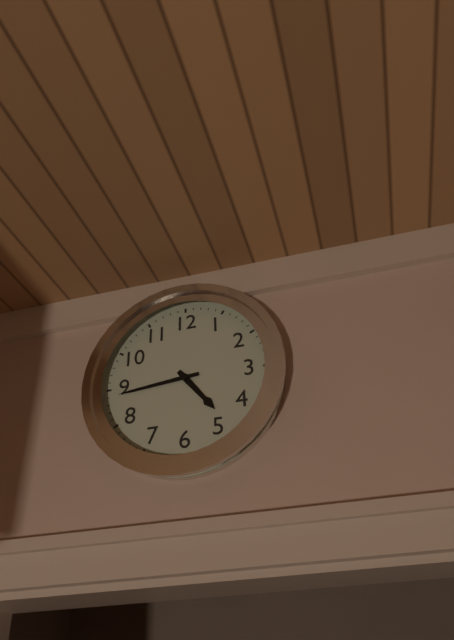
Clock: 4 h 44 min
